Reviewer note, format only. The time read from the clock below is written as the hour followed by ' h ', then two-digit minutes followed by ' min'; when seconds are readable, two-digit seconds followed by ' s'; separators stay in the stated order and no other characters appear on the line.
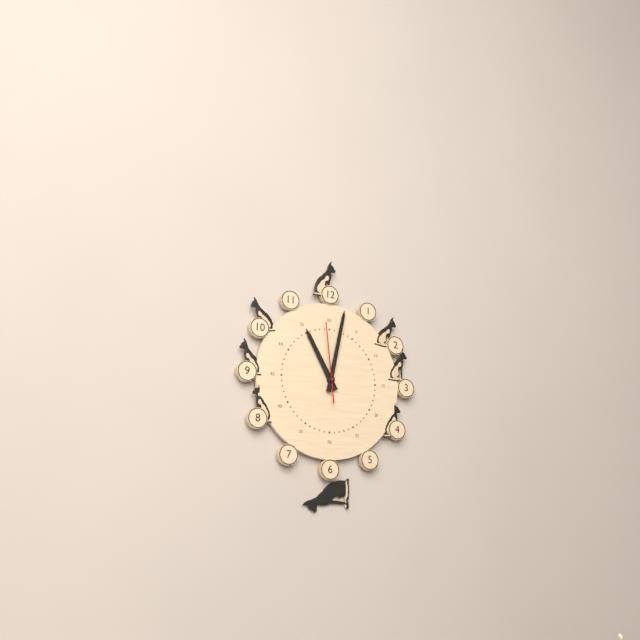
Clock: 11 h 02 min 59 s
